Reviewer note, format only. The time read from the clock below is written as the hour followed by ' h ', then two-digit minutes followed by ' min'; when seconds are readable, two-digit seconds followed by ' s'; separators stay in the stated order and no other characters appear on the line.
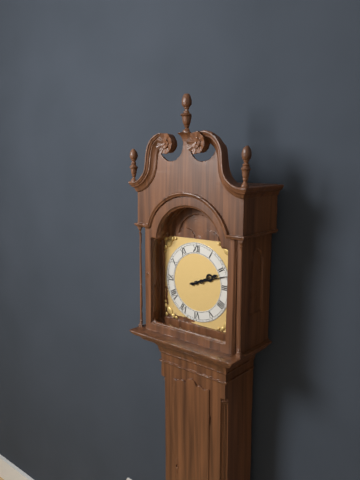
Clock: 2 h 12 min
